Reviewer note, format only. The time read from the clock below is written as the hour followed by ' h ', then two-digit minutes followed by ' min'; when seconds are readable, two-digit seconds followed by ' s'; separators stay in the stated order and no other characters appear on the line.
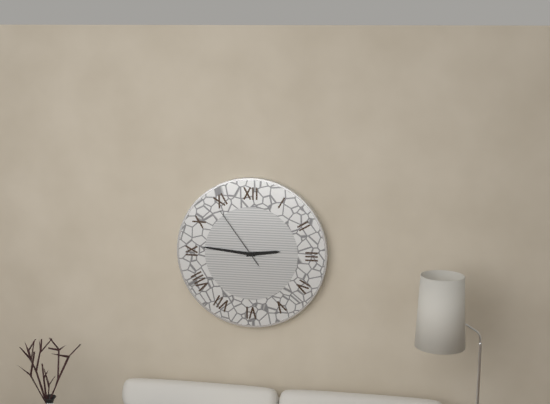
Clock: 2 h 46 min 54 s
